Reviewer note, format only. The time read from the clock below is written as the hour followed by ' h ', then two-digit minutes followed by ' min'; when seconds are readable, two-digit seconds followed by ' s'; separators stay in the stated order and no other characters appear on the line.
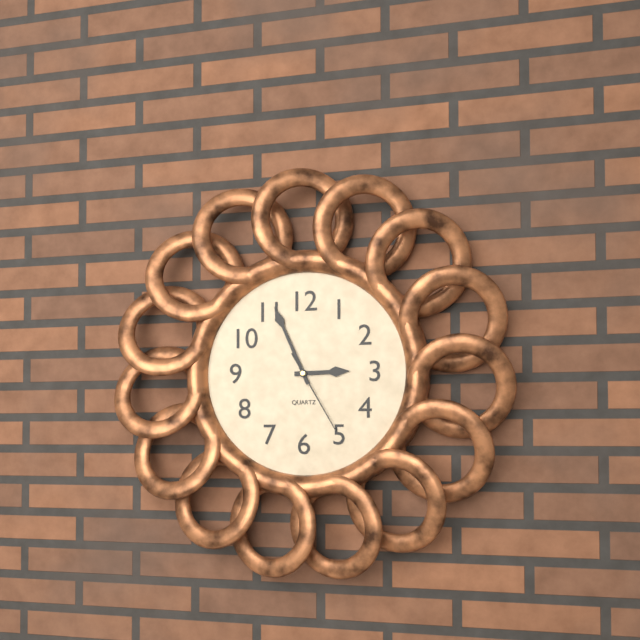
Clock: 2 h 56 min 25 s
